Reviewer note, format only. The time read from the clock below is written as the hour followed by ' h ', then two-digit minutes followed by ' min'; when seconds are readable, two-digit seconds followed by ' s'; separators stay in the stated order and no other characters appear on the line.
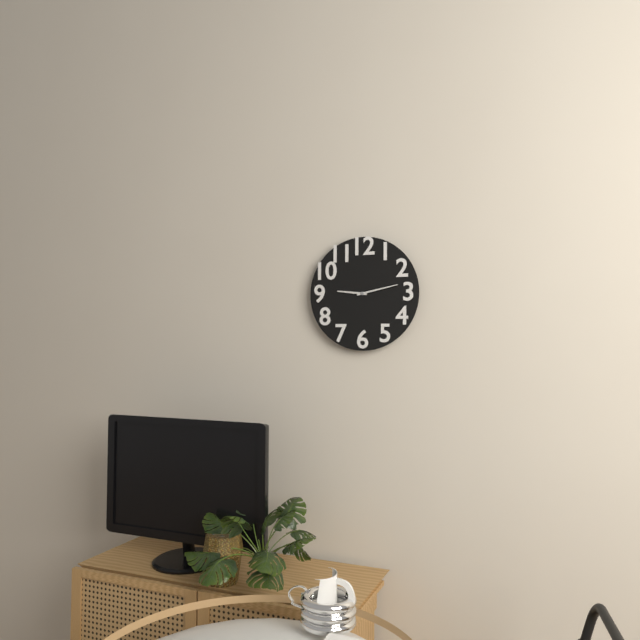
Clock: 9 h 13 min
